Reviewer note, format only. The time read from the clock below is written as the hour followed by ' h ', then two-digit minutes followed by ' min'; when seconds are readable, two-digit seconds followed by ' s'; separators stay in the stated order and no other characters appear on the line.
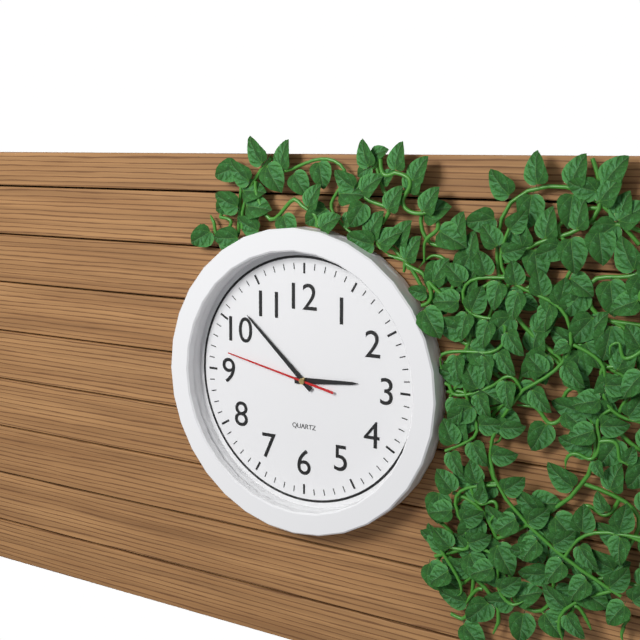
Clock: 2 h 52 min 47 s
